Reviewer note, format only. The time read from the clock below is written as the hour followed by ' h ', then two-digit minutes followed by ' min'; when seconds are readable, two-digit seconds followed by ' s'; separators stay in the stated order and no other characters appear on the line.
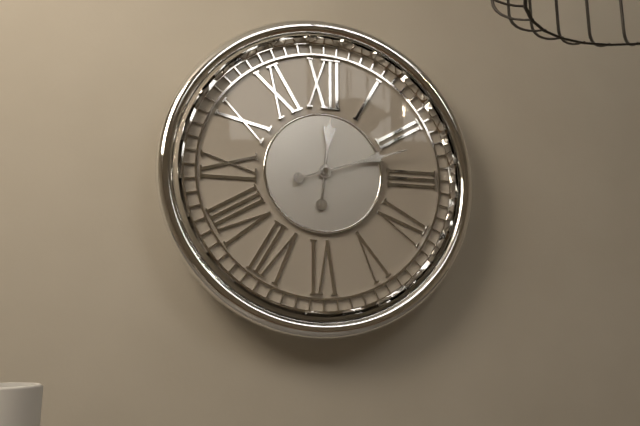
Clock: 12 h 12 min
